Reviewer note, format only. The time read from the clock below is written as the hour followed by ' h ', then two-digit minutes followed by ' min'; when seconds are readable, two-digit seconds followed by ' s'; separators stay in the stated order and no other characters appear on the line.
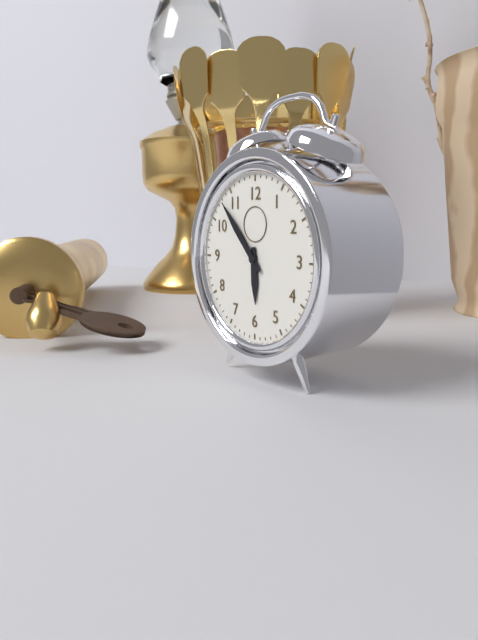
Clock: 5 h 53 min
